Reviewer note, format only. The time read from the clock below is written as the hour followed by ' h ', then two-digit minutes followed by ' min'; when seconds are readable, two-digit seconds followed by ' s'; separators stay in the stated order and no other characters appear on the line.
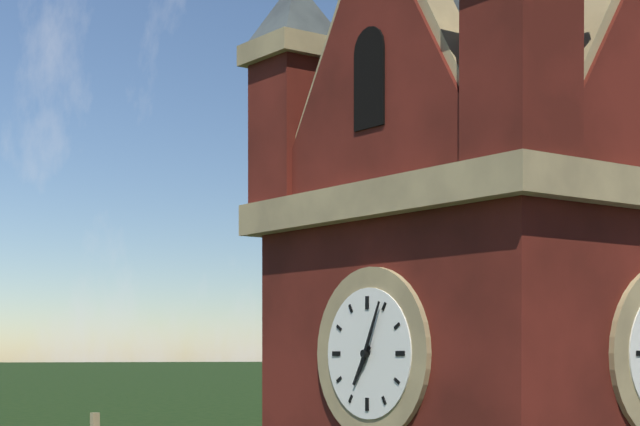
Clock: 7 h 04 min
